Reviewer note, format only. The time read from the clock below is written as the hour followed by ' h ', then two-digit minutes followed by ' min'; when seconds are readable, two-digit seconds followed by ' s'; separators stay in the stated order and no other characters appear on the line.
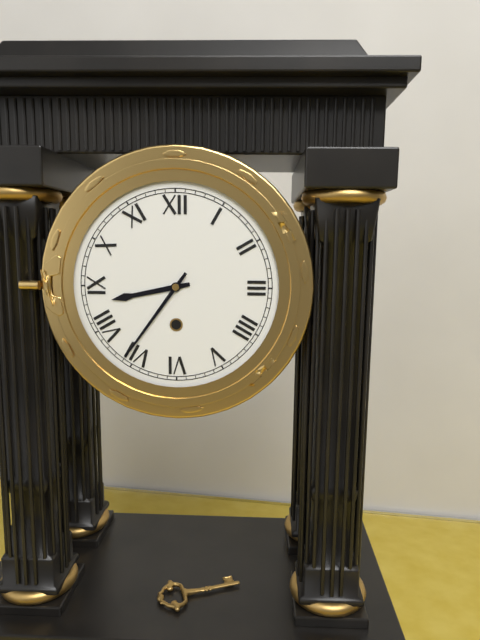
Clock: 8 h 36 min
